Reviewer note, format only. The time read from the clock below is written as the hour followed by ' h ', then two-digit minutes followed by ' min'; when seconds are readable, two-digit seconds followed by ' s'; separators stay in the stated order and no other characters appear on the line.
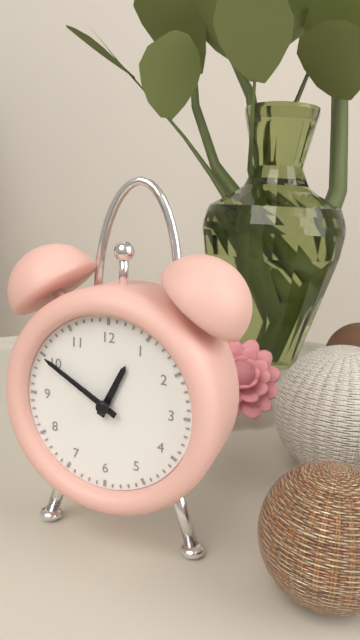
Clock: 12 h 50 min
